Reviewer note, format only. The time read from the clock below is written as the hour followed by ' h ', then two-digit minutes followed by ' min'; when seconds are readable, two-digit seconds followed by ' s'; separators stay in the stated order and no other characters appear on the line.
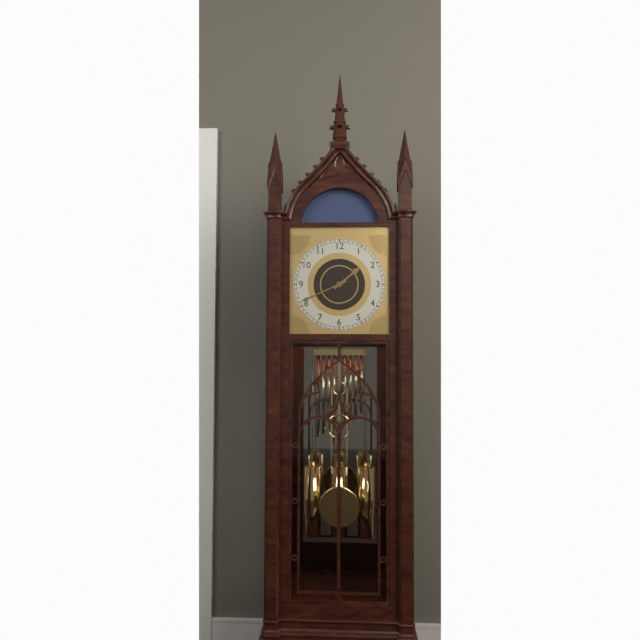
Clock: 1 h 41 min
